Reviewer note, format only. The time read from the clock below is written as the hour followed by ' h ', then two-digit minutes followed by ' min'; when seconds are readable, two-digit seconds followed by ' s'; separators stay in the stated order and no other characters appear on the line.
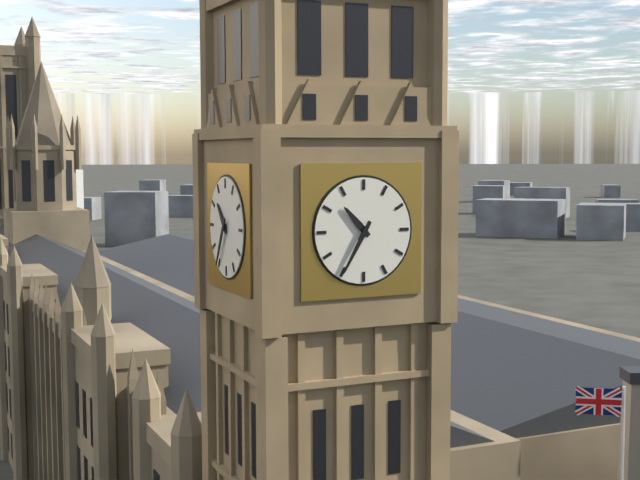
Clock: 10 h 35 min
